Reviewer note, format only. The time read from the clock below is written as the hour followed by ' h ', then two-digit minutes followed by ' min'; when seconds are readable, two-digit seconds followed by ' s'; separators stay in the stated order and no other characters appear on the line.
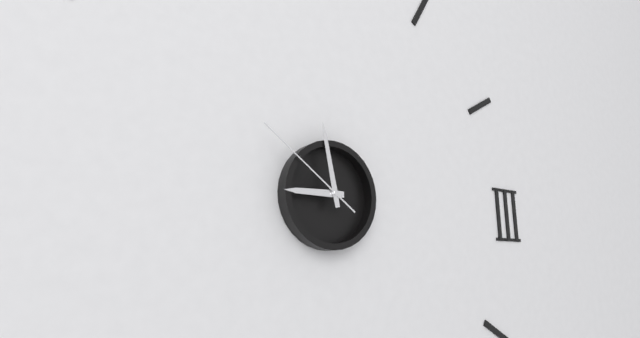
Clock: 8 h 58 min 51 s
